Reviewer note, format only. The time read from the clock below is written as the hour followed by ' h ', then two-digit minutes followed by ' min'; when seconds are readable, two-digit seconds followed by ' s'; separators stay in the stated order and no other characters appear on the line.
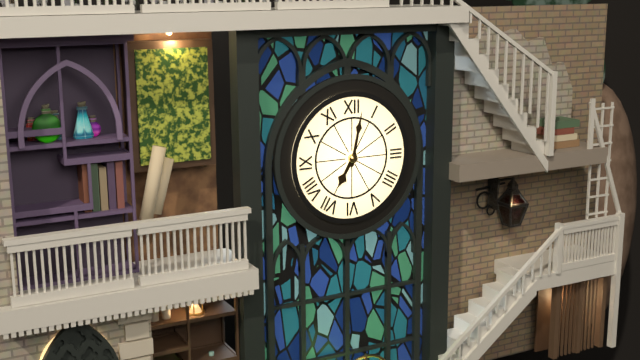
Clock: 7 h 02 min
